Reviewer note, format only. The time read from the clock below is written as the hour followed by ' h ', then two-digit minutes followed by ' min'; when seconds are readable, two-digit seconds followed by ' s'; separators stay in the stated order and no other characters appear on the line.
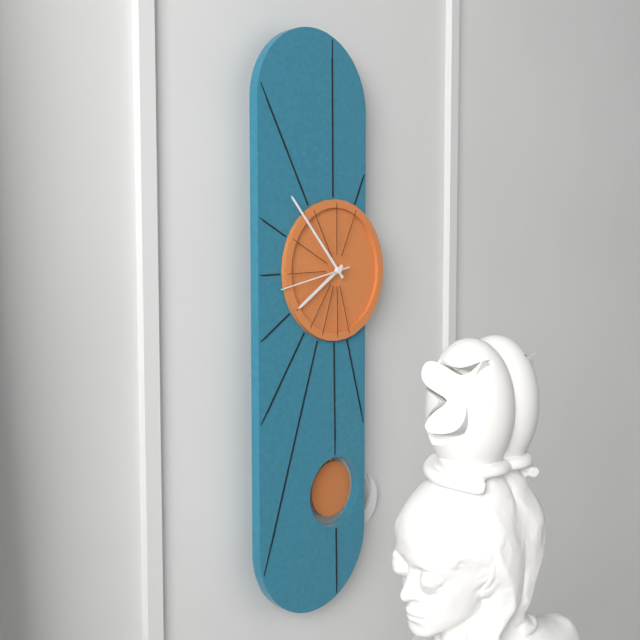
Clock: 7 h 53 min 43 s
